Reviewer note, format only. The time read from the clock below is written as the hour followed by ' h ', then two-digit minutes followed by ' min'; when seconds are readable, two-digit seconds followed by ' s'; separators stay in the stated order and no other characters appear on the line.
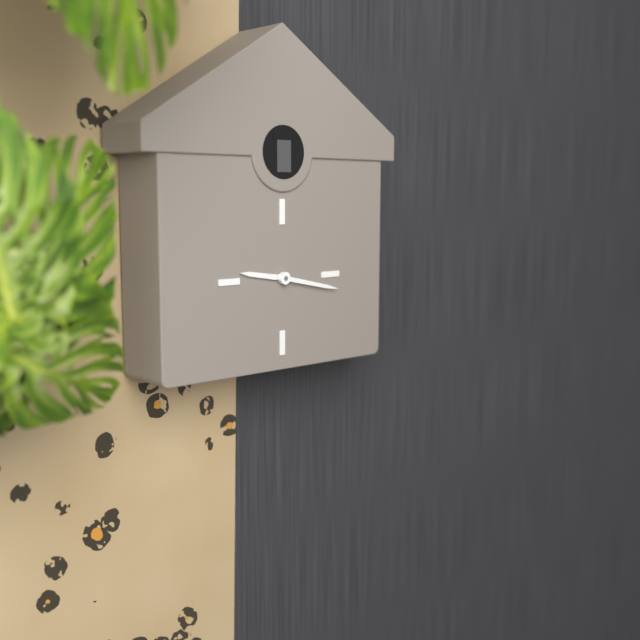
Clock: 9 h 17 min
